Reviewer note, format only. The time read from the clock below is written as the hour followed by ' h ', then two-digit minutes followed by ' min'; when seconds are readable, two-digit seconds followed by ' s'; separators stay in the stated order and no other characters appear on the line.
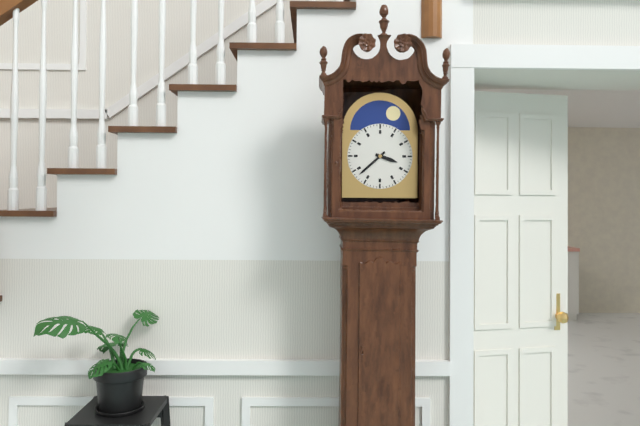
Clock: 3 h 38 min
